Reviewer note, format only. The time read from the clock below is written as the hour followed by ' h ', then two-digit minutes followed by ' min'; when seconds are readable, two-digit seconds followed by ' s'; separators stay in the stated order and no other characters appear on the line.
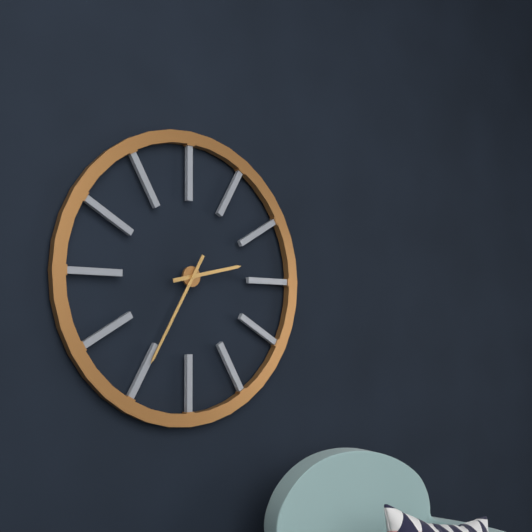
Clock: 2 h 35 min
